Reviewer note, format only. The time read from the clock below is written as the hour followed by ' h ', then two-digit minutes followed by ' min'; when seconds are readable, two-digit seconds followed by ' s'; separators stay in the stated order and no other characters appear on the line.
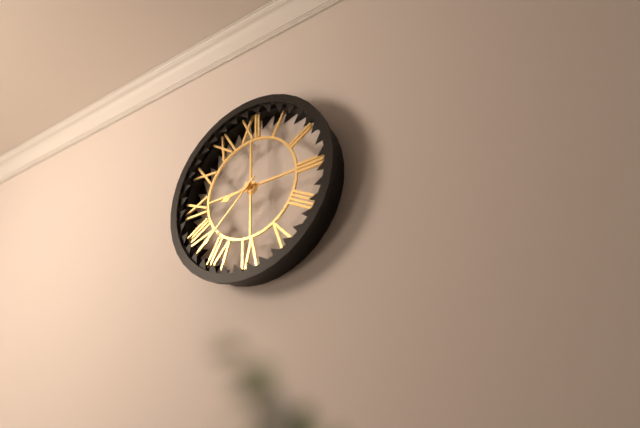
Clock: 8 h 38 min
